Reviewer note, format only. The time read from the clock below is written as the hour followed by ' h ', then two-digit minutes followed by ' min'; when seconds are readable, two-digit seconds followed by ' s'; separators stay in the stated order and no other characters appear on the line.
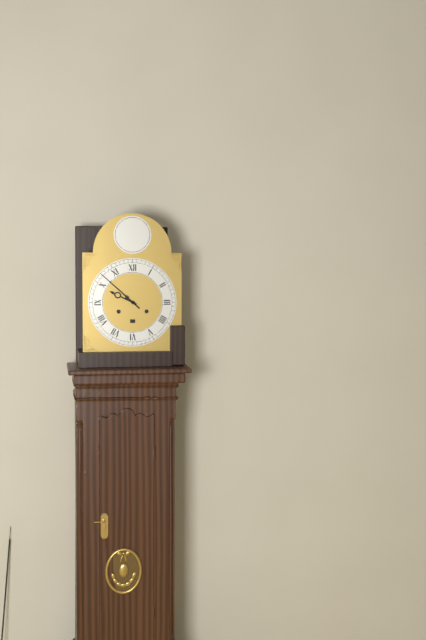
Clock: 9 h 52 min
